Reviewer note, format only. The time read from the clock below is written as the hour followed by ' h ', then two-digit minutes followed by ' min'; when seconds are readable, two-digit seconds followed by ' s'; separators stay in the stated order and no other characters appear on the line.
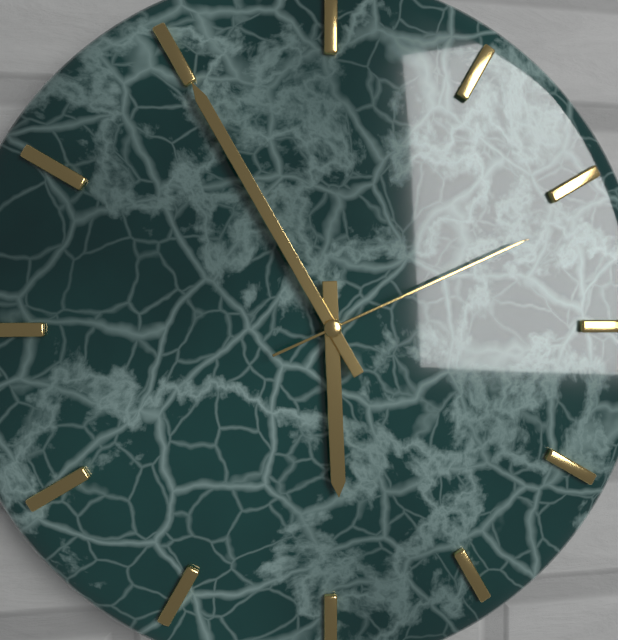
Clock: 5 h 55 min 11 s
